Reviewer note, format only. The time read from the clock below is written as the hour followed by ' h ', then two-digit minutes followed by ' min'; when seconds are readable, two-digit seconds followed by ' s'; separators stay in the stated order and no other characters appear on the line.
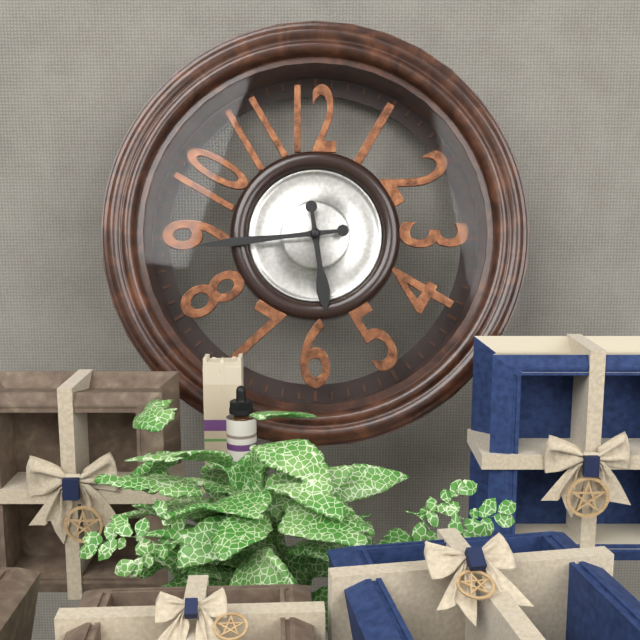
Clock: 5 h 44 min
